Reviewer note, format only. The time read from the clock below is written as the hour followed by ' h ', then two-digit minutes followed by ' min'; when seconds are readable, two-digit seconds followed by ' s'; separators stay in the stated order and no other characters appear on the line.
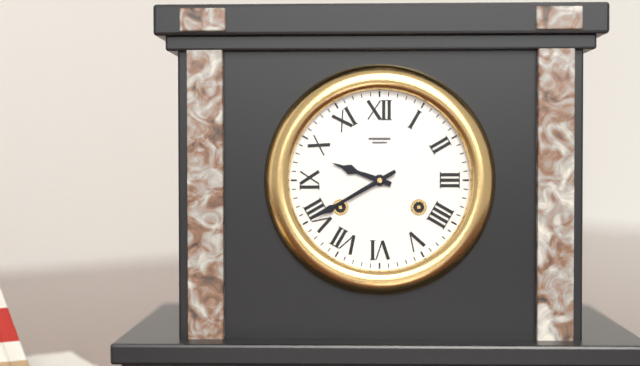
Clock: 9 h 40 min
